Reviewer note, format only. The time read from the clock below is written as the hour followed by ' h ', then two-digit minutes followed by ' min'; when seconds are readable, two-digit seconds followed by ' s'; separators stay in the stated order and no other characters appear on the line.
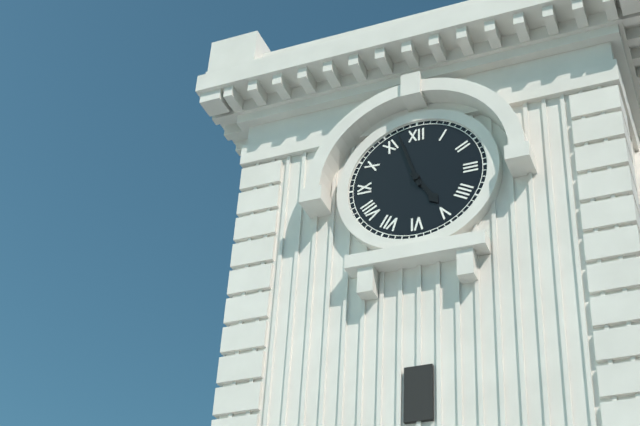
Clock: 4 h 57 min
